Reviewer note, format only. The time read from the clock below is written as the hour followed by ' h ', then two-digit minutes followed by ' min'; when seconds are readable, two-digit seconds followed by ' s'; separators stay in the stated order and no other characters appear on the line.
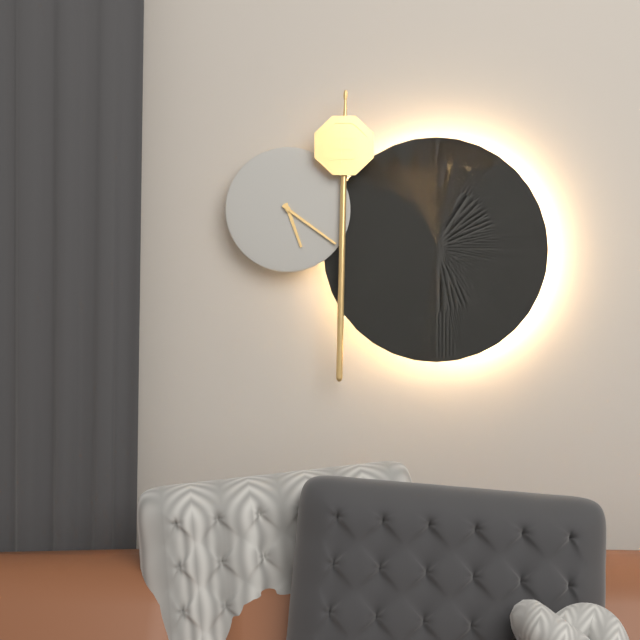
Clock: 5 h 21 min
